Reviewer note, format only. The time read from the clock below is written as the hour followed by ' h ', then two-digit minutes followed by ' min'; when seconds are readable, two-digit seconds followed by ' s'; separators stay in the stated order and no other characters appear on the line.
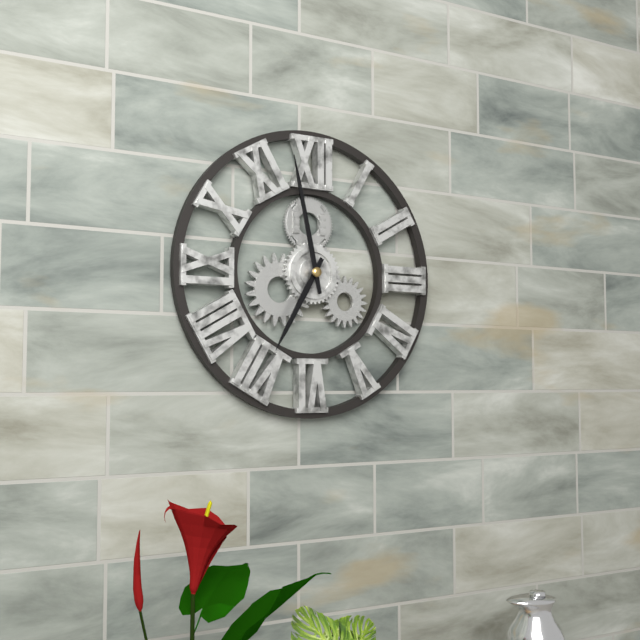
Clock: 6 h 58 min
